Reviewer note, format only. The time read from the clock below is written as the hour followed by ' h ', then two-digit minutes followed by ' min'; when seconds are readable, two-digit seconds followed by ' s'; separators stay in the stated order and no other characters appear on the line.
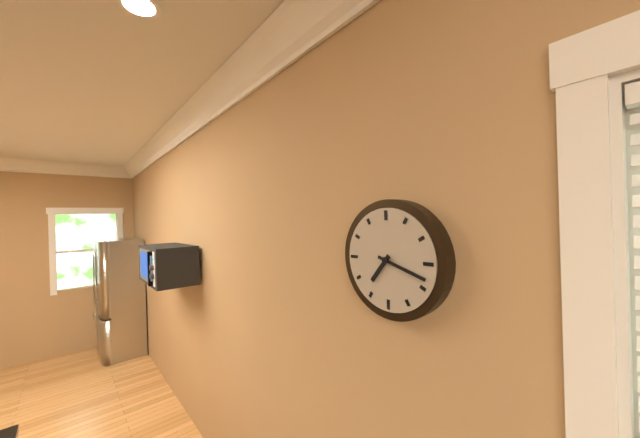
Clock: 7 h 18 min
